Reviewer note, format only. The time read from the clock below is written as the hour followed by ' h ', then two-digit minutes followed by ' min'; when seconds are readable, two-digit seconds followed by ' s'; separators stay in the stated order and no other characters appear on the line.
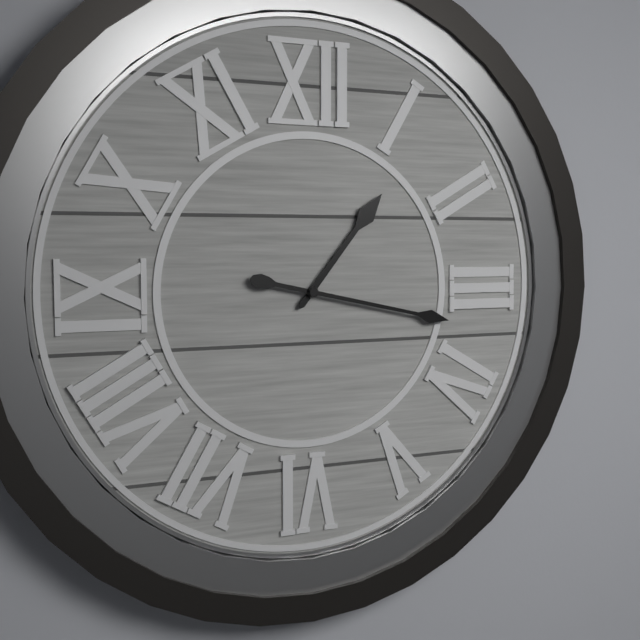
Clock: 1 h 17 min
